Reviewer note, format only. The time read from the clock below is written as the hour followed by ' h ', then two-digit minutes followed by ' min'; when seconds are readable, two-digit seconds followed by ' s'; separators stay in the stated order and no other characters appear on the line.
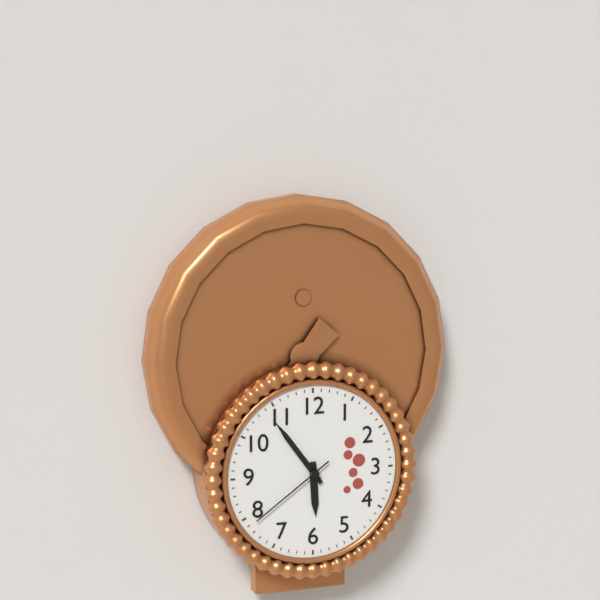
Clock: 5 h 54 min 39 s
